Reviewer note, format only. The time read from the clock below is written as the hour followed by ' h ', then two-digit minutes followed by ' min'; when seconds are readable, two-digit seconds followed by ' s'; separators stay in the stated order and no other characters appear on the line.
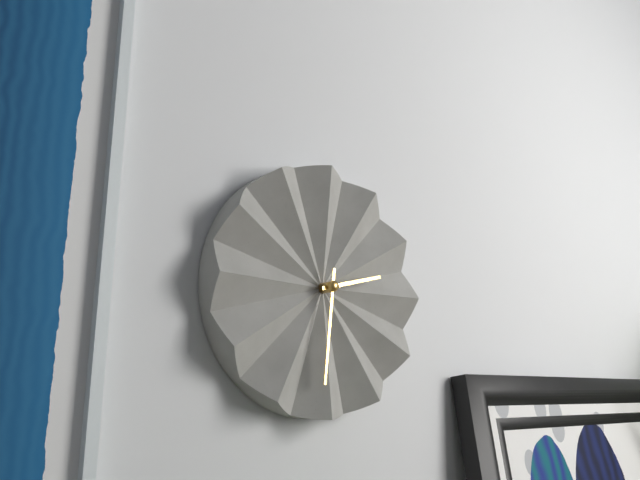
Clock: 2 h 31 min
